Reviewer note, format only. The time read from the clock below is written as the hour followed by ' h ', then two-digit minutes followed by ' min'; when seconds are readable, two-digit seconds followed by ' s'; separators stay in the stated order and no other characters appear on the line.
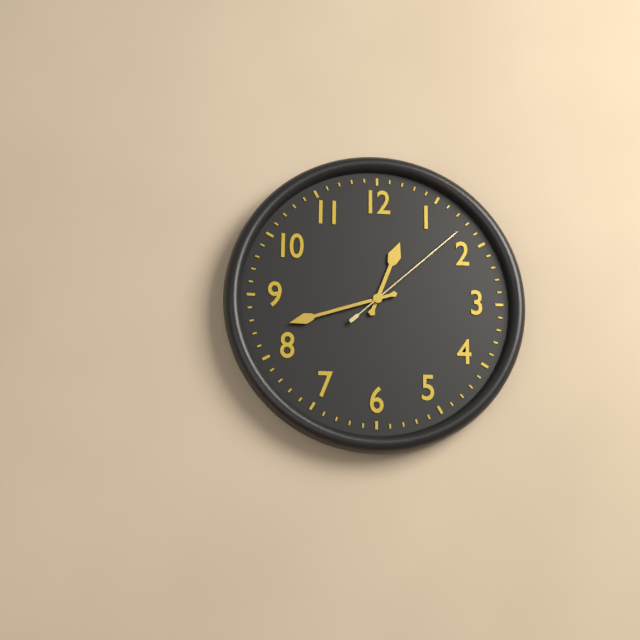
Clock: 12 h 42 min 08 s
